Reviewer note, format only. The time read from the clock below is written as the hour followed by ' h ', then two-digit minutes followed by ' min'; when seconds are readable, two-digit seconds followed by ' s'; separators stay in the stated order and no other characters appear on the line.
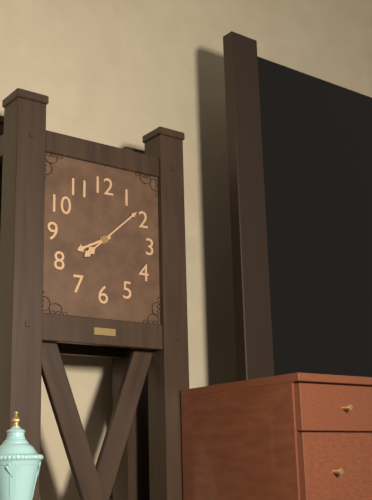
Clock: 8 h 08 min
